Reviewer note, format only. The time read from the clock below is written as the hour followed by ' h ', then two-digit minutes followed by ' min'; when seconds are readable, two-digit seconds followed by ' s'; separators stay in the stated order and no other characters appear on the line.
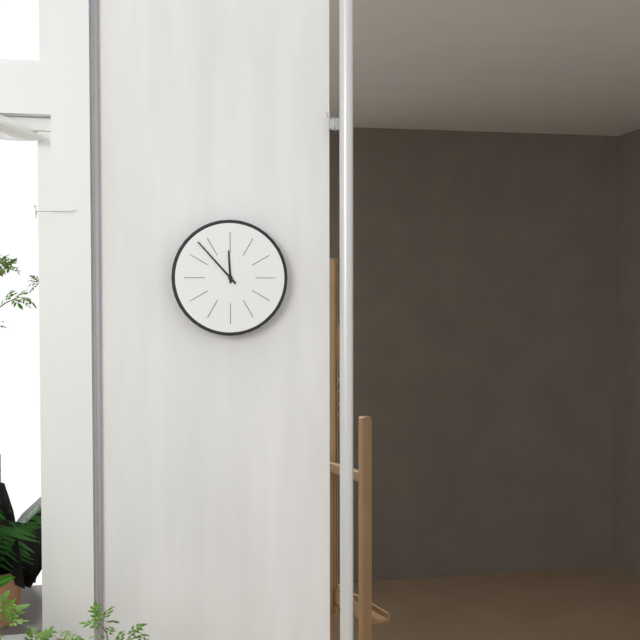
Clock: 11 h 53 min
